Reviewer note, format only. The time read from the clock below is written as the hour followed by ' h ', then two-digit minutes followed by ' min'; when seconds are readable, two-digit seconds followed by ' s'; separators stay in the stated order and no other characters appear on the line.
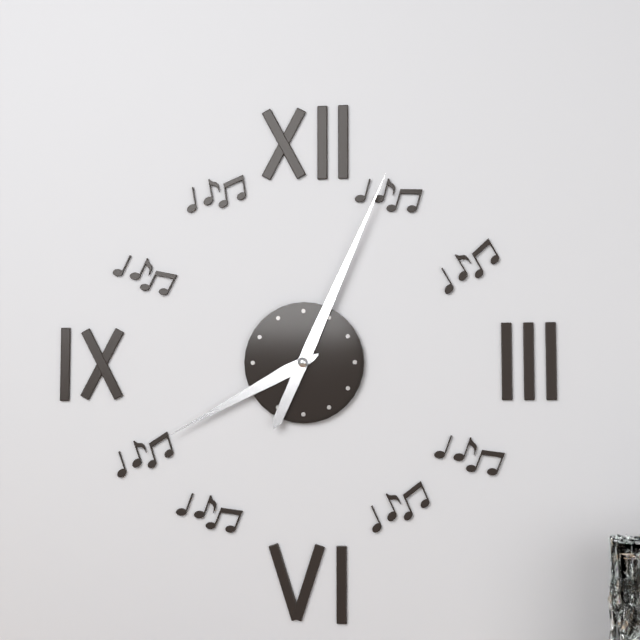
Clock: 8 h 04 min
